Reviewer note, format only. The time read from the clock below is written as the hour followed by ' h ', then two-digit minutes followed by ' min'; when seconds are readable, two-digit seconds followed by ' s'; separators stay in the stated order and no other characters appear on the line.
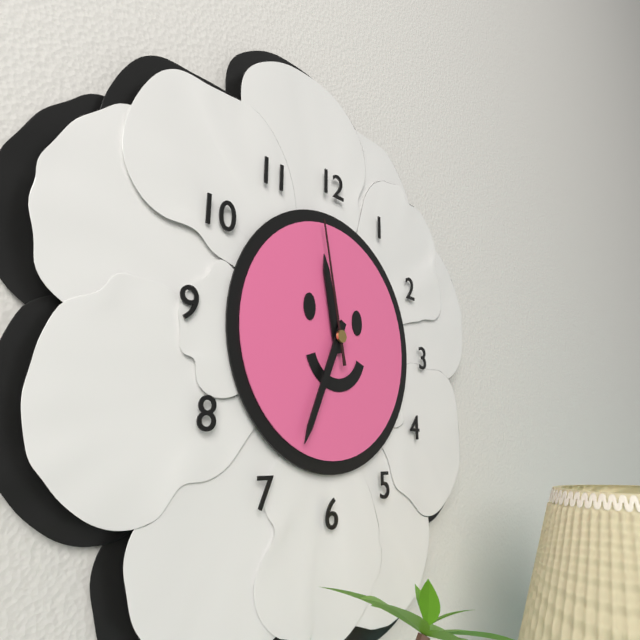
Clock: 11 h 34 min 58 s
